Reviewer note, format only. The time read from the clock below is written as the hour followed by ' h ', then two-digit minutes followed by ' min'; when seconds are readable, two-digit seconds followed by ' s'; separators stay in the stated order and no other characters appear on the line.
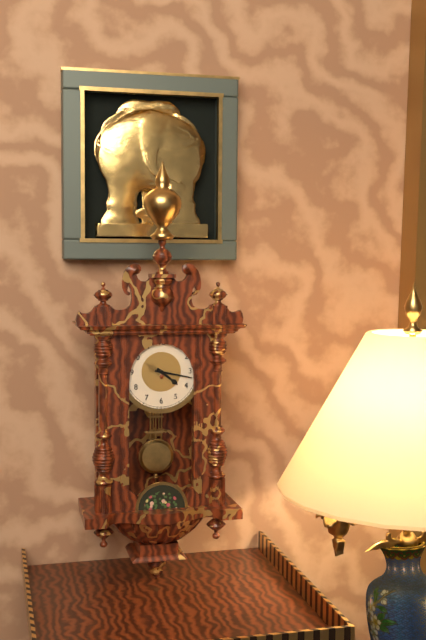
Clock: 4 h 17 min
